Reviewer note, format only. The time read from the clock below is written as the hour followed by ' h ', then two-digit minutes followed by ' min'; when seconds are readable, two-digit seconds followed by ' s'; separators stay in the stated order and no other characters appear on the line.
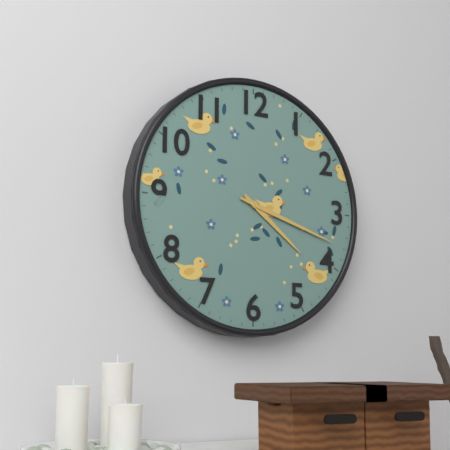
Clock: 4 h 18 min
